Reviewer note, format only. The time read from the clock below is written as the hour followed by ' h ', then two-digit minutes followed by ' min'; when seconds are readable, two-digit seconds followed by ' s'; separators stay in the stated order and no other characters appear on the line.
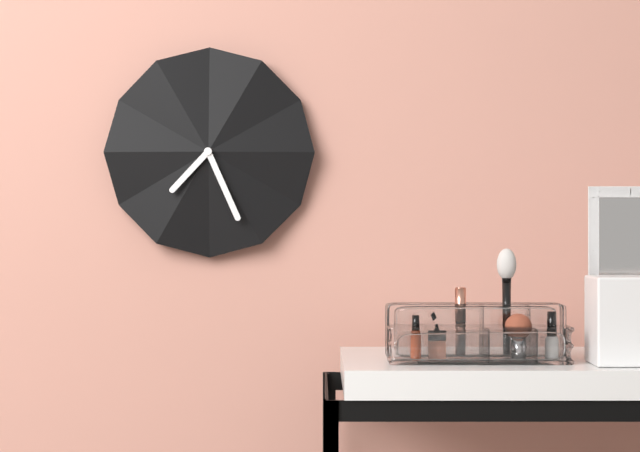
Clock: 7 h 26 min
